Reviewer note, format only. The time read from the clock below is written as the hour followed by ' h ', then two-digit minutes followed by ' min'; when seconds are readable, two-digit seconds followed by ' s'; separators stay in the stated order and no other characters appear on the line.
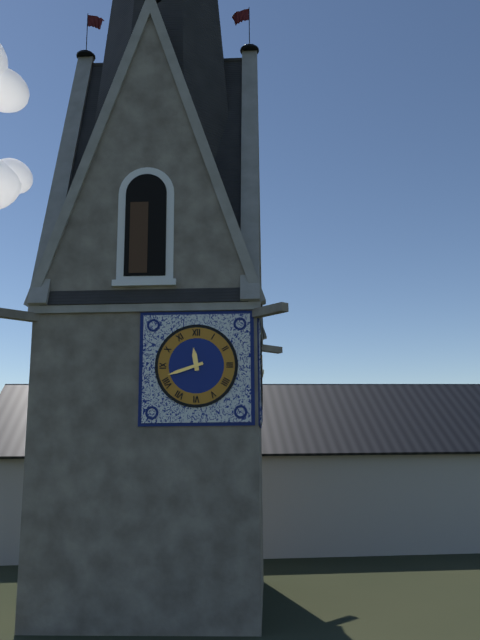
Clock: 11 h 42 min
